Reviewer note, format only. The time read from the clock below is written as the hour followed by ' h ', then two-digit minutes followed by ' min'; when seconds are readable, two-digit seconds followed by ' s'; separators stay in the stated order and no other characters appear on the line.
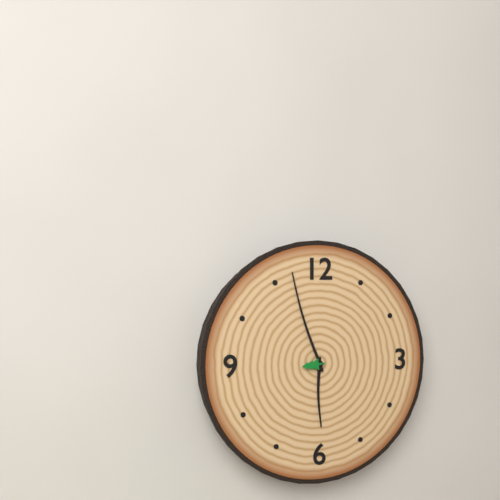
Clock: 5 h 57 min
